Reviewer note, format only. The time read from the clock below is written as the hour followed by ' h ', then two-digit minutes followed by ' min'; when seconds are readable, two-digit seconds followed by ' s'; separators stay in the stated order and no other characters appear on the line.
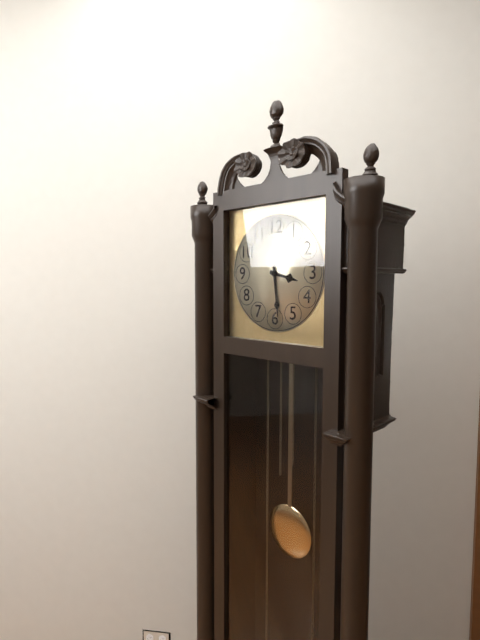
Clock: 3 h 29 min
